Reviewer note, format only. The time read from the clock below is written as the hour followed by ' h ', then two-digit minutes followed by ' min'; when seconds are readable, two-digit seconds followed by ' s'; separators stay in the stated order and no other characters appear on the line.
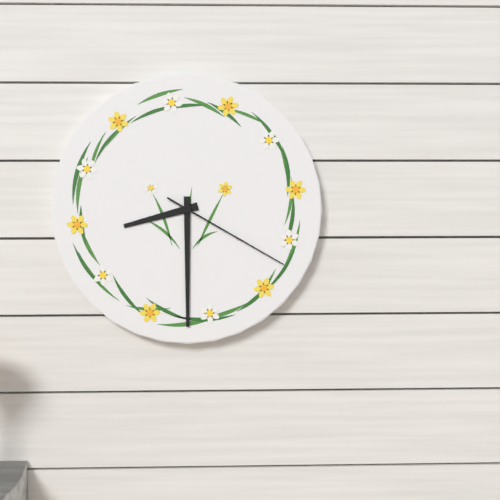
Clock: 8 h 30 min 20 s
